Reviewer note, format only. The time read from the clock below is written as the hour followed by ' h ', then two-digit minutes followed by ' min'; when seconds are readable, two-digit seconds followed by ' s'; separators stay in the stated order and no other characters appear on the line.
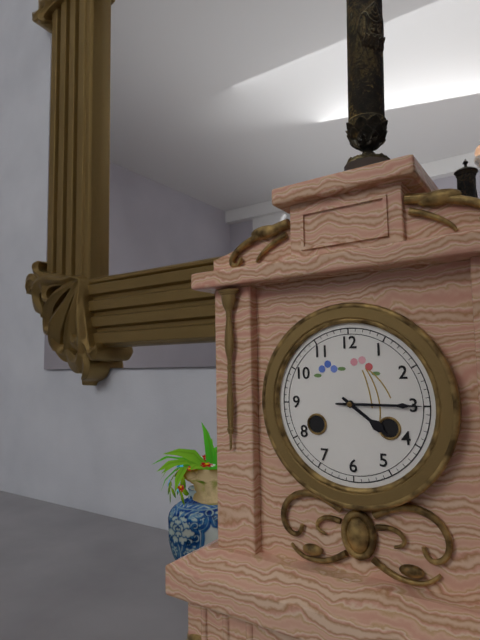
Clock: 4 h 15 min
